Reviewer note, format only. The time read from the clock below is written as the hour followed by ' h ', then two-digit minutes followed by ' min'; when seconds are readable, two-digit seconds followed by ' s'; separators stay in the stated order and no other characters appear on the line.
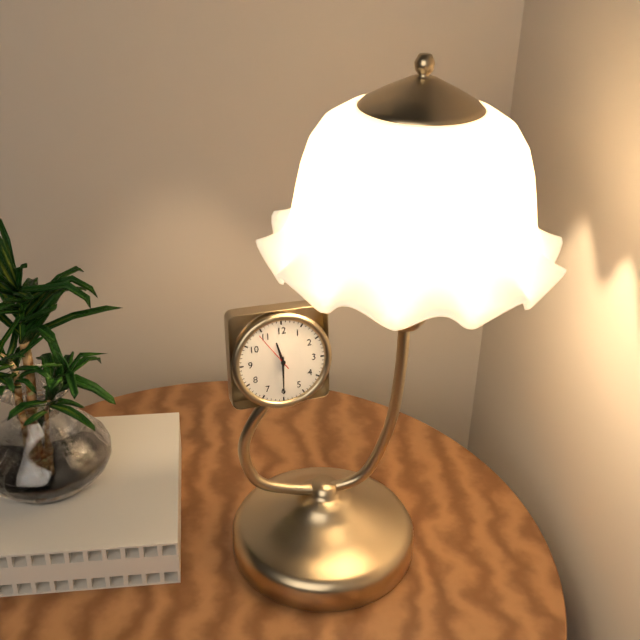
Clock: 11 h 30 min
